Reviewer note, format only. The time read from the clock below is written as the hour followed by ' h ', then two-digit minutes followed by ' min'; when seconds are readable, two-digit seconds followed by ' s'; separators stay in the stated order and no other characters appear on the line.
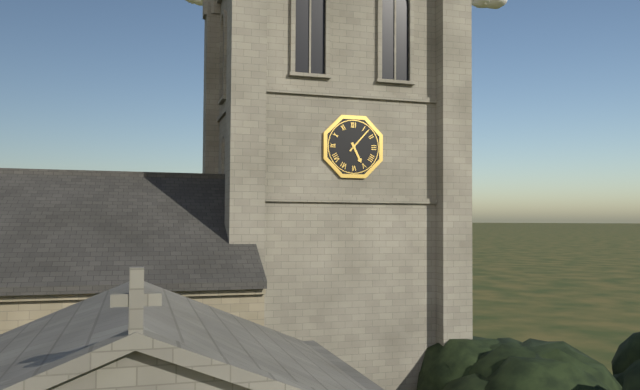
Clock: 5 h 07 min
